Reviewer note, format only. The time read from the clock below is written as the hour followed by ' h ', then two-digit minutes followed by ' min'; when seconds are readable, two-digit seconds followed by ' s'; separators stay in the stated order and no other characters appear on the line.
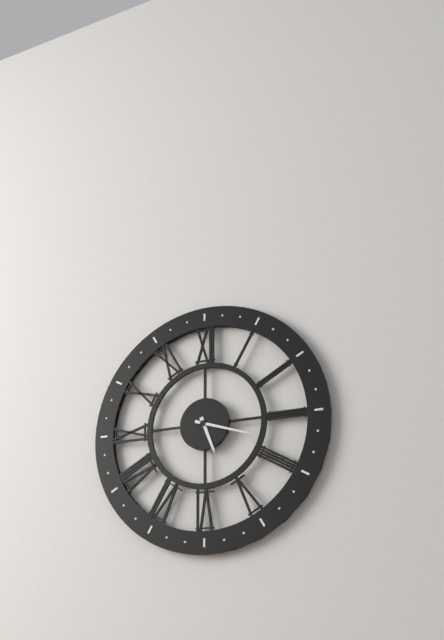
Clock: 5 h 18 min
